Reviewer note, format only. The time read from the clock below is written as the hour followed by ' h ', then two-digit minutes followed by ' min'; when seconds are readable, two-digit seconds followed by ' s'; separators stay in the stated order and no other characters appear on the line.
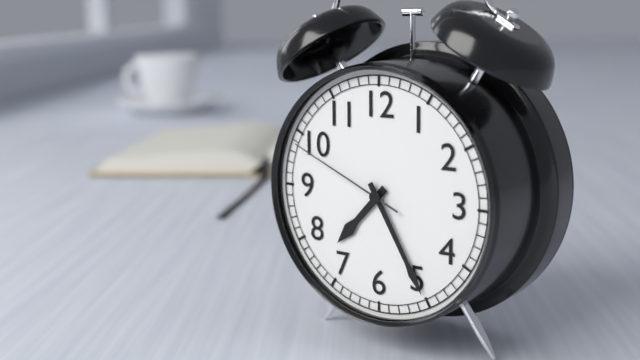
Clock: 7 h 25 min 49 s
